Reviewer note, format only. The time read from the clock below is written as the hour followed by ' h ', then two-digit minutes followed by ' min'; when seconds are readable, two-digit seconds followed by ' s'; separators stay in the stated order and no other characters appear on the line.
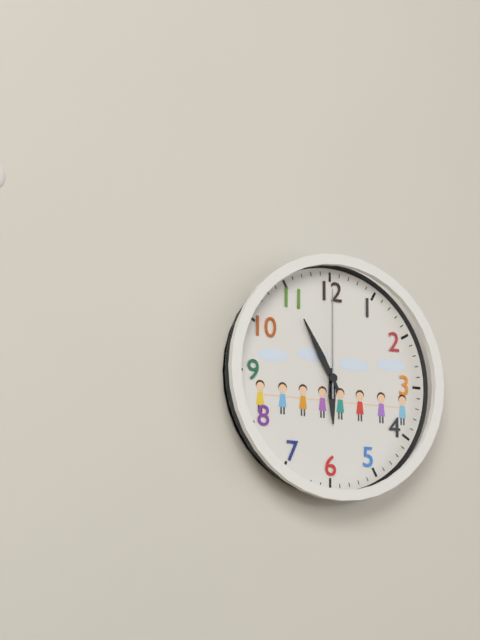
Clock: 5 h 55 min 00 s
